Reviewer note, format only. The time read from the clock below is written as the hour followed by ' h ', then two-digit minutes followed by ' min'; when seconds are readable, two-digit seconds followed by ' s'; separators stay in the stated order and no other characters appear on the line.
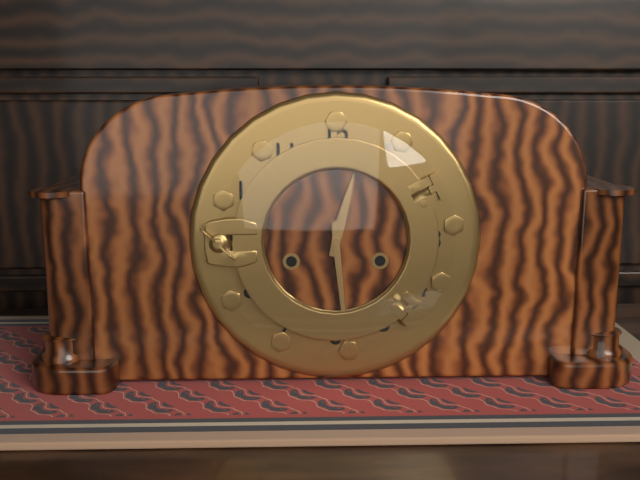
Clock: 12 h 29 min
